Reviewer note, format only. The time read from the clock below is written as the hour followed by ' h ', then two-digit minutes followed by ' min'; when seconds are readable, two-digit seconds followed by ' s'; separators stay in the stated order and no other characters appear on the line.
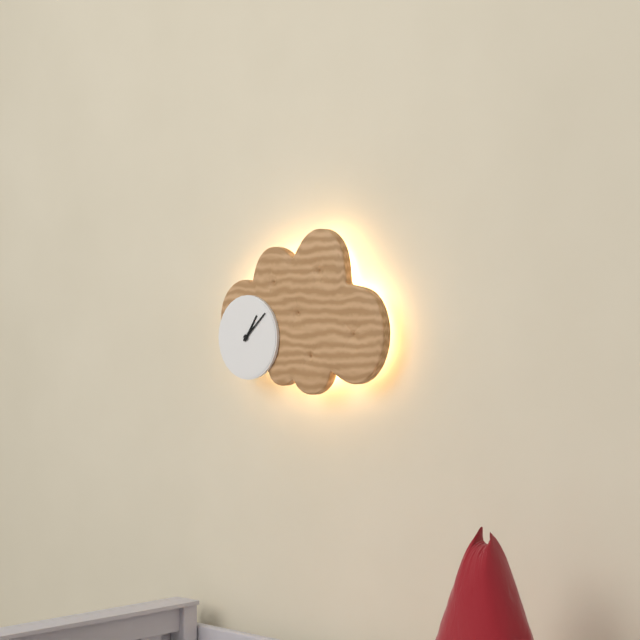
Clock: 1 h 08 min
